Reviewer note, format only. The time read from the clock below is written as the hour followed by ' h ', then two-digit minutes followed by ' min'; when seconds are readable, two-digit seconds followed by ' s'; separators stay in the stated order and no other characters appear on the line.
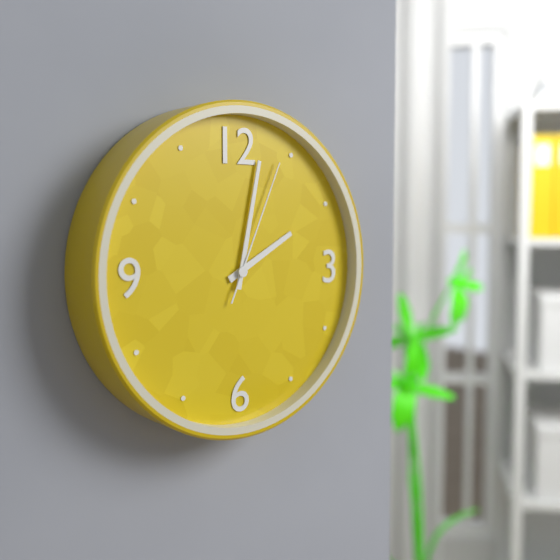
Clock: 2 h 02 min 04 s
